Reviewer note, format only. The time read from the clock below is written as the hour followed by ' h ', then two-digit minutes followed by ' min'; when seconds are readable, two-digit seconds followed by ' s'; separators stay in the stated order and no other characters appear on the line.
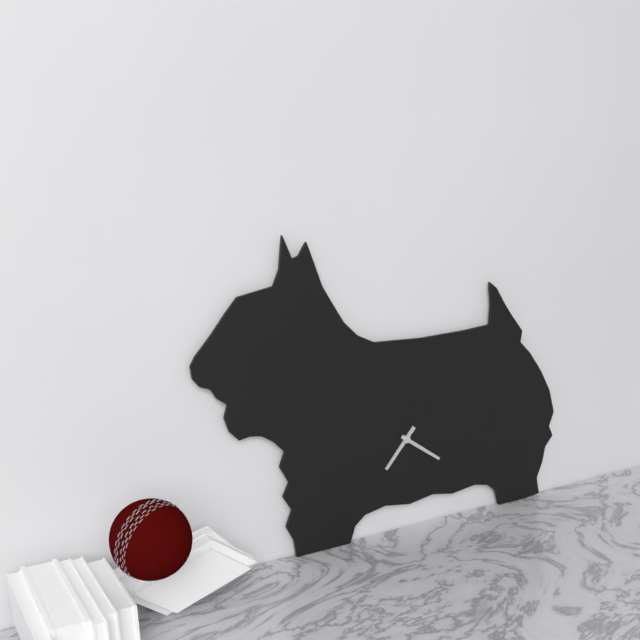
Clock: 7 h 21 min
